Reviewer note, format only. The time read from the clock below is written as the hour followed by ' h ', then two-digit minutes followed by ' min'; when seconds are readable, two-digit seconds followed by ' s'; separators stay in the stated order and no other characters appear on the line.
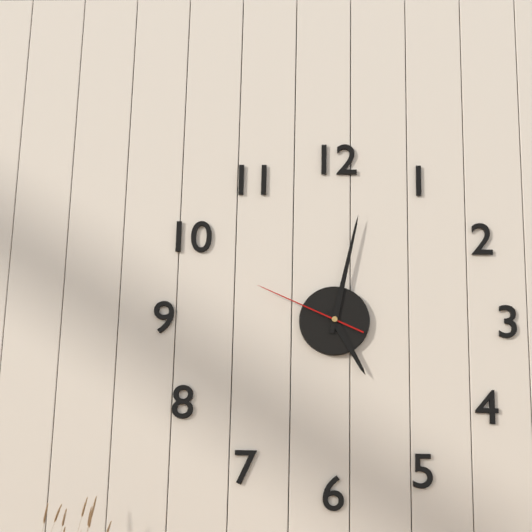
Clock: 5 h 02 min 49 s
